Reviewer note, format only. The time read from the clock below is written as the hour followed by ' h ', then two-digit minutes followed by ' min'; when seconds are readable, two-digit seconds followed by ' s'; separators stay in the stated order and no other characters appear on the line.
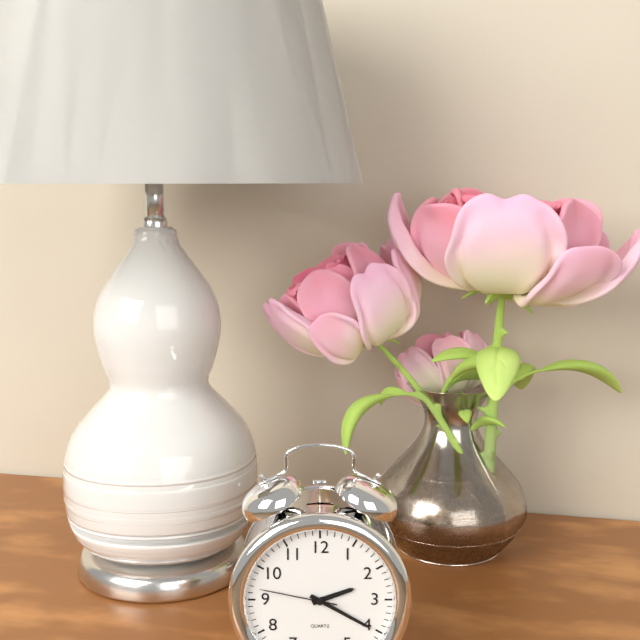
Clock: 2 h 20 min 47 s
